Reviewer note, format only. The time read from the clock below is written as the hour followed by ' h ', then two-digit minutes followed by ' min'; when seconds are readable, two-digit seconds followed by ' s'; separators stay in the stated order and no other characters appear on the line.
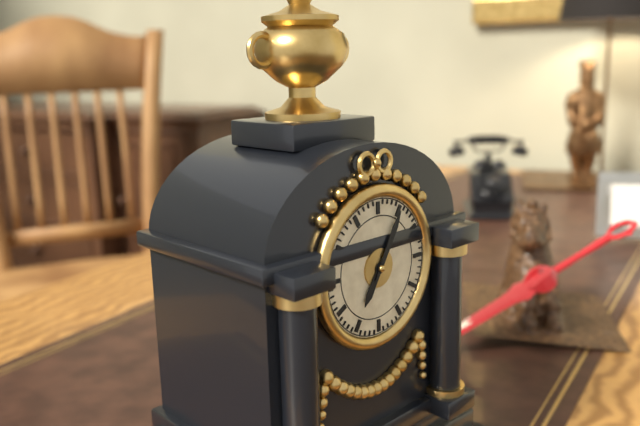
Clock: 7 h 05 min
